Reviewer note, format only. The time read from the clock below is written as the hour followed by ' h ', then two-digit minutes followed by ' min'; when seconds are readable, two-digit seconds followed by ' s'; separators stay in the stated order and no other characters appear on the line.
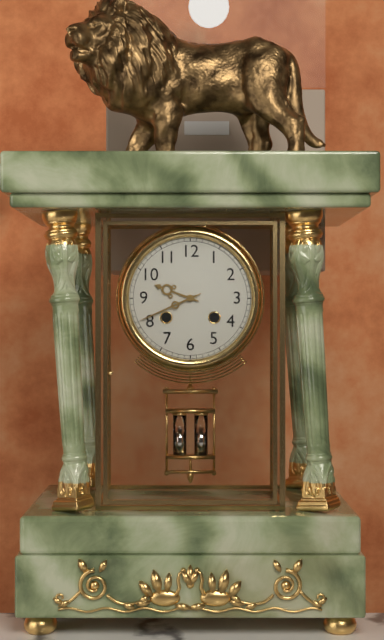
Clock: 9 h 41 min
